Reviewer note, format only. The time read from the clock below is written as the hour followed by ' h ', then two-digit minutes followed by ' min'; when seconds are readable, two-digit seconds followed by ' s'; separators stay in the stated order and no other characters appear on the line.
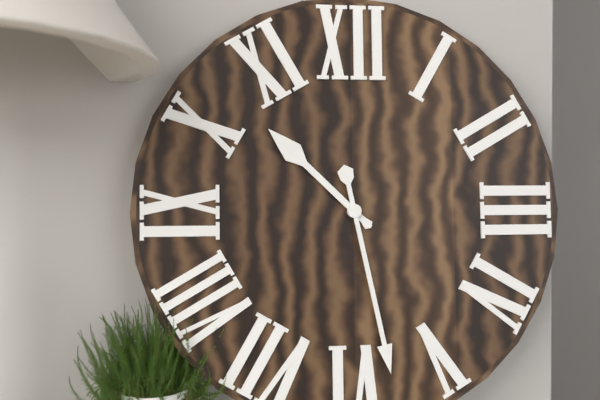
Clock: 10 h 28 min
